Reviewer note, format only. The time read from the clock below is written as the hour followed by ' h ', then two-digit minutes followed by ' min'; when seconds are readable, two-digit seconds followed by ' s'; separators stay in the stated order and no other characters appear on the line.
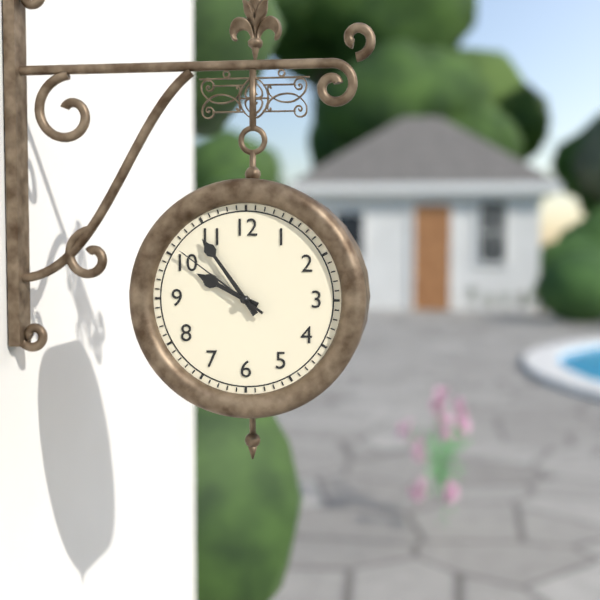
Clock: 9 h 54 min 51 s
